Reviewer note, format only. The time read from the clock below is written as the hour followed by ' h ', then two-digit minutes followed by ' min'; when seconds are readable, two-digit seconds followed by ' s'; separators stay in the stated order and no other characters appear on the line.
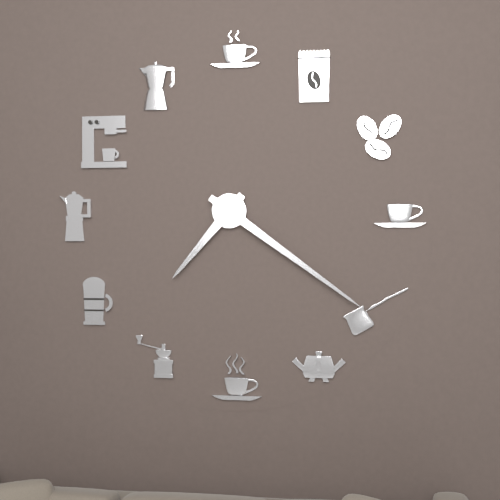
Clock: 7 h 21 min
